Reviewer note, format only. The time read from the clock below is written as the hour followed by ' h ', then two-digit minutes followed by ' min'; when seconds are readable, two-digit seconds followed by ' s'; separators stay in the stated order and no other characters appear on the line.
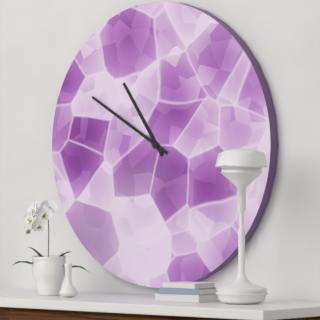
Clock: 10 h 50 min
